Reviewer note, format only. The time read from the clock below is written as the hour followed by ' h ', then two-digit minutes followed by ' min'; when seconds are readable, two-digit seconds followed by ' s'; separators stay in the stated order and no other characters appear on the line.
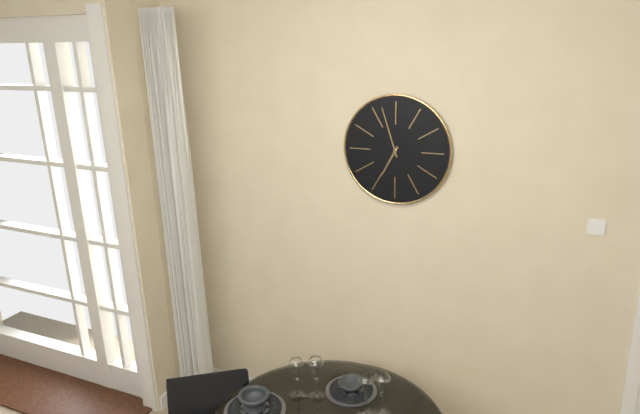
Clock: 6 h 57 min
